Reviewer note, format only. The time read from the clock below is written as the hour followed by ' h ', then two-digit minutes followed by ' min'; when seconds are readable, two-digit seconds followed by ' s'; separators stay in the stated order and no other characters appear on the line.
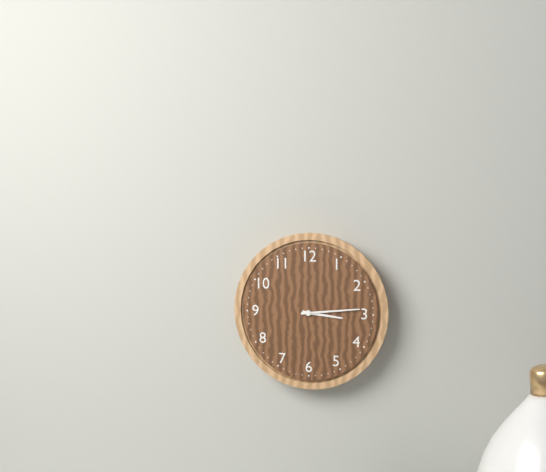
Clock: 3 h 14 min
